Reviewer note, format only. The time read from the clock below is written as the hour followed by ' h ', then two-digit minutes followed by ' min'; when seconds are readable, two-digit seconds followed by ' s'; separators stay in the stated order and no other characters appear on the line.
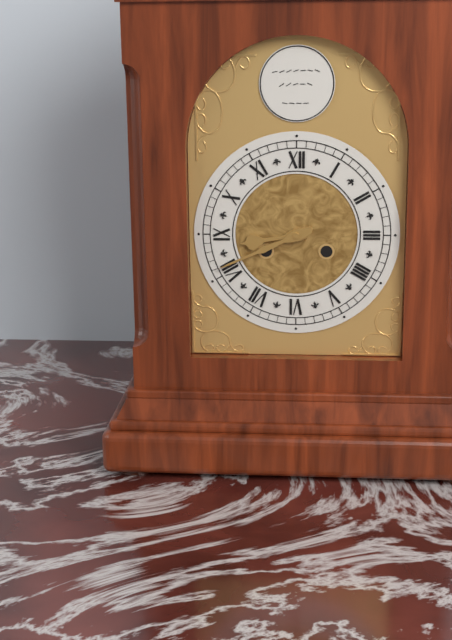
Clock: 8 h 41 min
